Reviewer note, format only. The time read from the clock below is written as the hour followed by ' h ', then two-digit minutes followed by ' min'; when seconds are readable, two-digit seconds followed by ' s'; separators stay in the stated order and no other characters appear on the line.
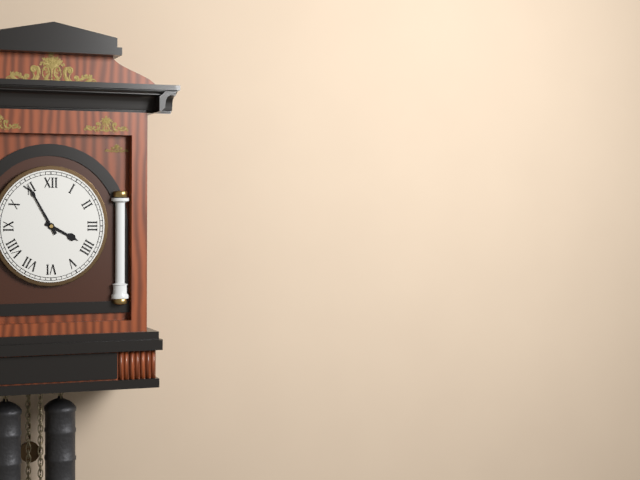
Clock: 3 h 55 min
